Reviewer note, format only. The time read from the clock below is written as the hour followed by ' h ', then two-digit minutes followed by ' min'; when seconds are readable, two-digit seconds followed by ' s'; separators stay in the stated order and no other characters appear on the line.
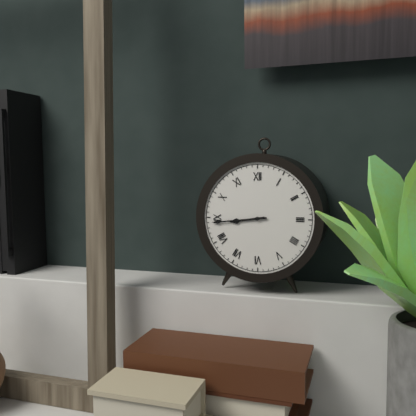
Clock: 8 h 44 min
